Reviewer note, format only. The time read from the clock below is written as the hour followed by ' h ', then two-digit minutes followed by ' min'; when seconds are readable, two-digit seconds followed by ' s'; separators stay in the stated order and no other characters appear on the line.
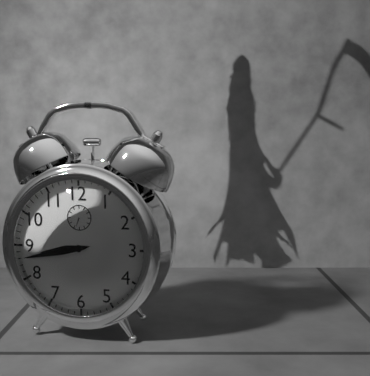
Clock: 8 h 43 min
